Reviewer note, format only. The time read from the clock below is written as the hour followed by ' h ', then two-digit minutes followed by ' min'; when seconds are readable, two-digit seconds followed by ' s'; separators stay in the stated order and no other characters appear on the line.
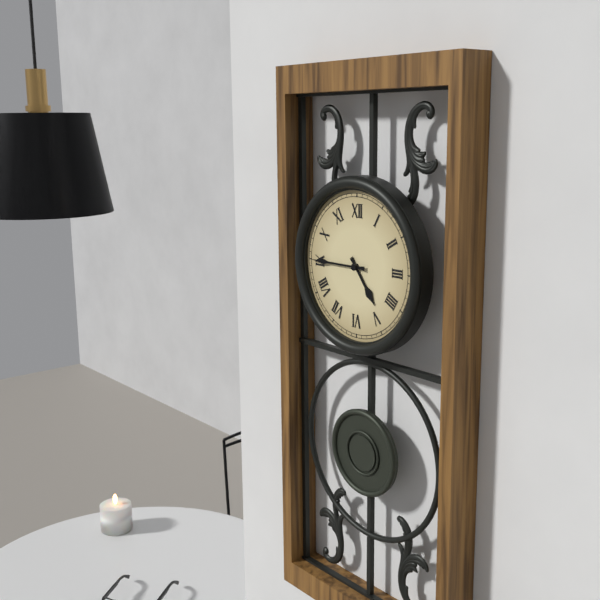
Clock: 4 h 45 min
